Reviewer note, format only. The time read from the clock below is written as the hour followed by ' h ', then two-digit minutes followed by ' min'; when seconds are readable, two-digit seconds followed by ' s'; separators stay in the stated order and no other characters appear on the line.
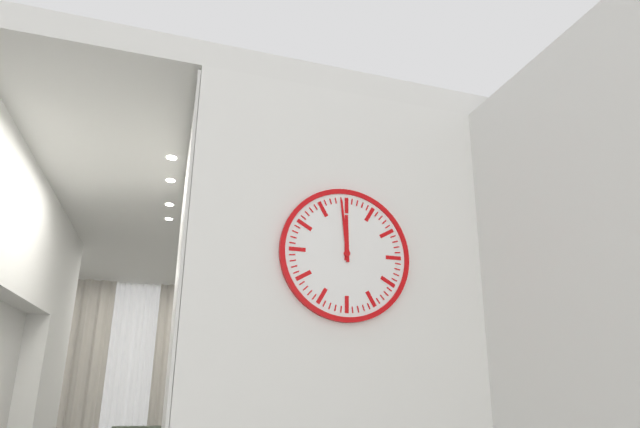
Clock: 11 h 59 min
